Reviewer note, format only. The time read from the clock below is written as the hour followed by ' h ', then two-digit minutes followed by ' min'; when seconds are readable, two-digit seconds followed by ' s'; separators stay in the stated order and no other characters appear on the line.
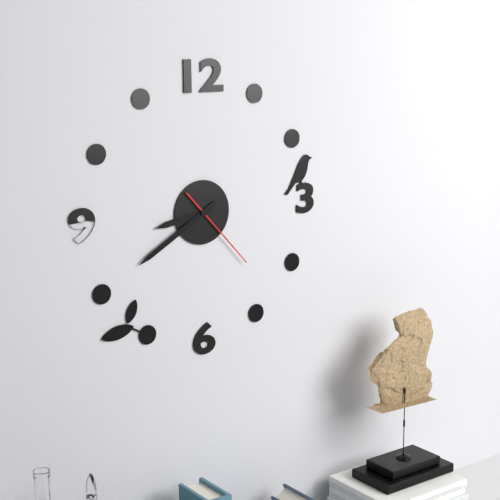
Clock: 8 h 40 min 23 s
